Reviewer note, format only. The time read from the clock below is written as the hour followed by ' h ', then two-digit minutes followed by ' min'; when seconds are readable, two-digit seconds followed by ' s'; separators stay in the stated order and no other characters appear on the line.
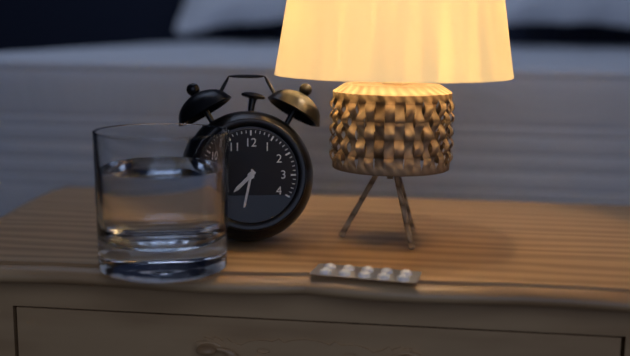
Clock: 7 h 32 min
